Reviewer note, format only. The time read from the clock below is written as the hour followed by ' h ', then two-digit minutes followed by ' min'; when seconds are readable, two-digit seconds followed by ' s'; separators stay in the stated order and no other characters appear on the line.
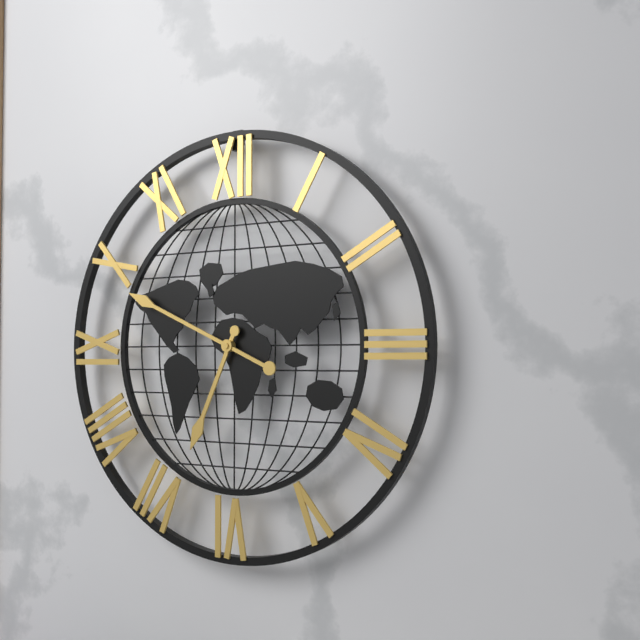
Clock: 6 h 49 min
